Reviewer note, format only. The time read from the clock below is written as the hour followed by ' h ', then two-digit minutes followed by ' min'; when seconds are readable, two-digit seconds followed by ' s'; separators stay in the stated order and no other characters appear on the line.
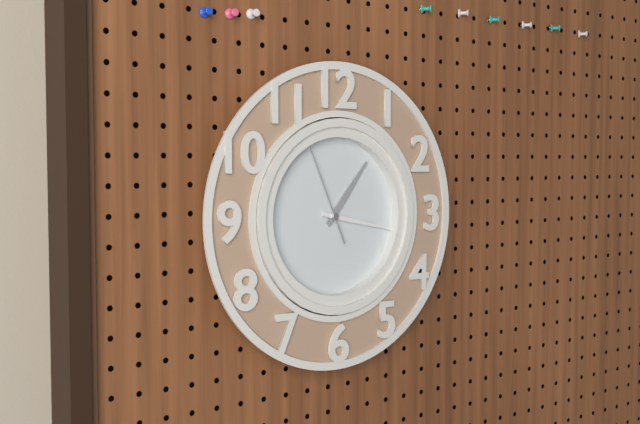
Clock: 1 h 17 min 56 s
